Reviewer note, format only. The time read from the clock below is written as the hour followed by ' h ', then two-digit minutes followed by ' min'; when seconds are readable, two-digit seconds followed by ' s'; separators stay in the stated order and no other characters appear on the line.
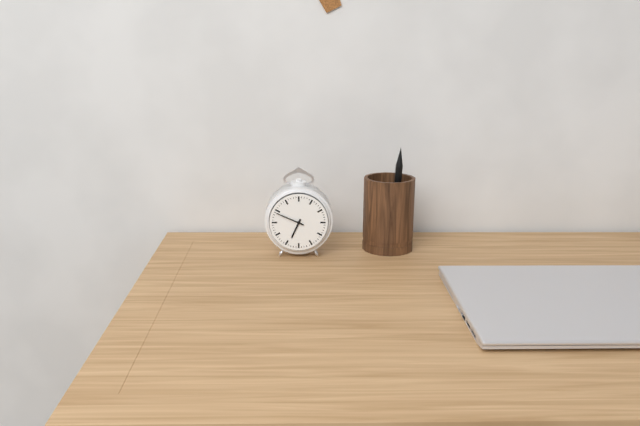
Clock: 6 h 49 min
